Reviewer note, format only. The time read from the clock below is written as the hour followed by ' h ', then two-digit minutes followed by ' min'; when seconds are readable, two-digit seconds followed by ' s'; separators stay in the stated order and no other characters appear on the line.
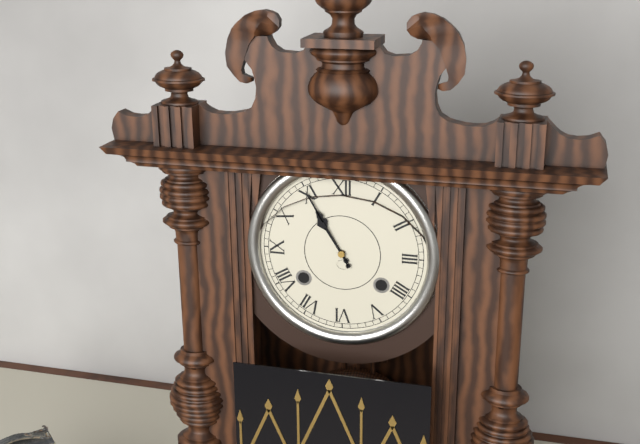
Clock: 10 h 55 min
